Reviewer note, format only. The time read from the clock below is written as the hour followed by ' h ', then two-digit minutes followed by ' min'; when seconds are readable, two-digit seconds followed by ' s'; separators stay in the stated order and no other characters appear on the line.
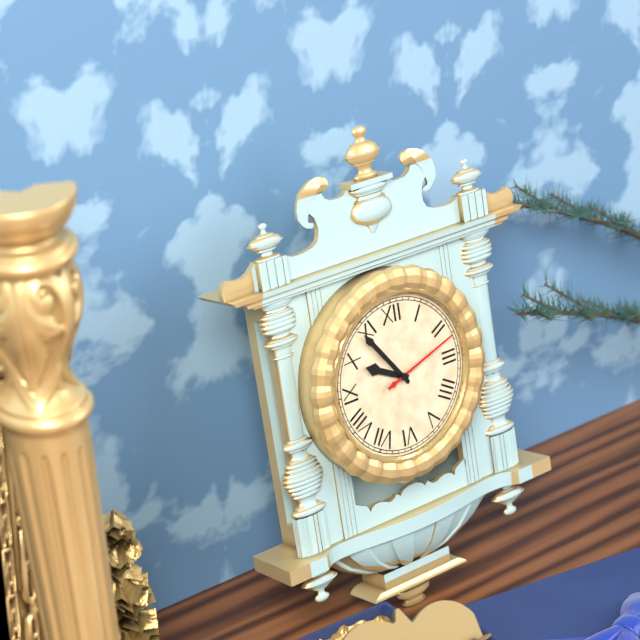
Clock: 9 h 54 min 12 s
